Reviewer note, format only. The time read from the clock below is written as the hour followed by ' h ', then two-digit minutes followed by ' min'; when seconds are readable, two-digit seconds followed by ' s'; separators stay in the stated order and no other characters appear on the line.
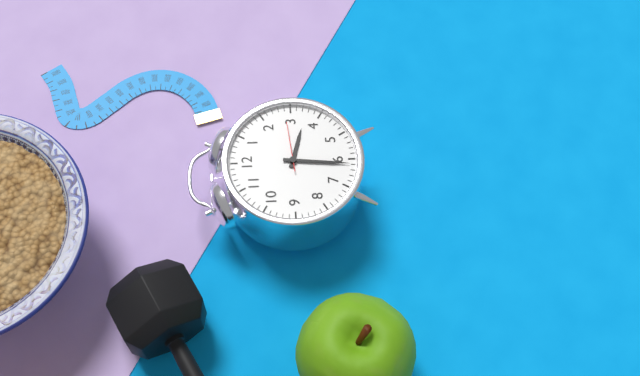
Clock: 3 h 31 min
